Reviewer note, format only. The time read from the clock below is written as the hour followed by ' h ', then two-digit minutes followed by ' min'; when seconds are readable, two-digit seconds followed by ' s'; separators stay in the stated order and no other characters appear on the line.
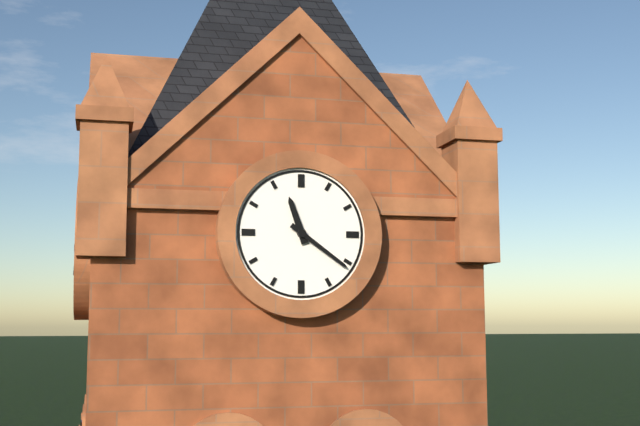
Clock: 11 h 21 min
